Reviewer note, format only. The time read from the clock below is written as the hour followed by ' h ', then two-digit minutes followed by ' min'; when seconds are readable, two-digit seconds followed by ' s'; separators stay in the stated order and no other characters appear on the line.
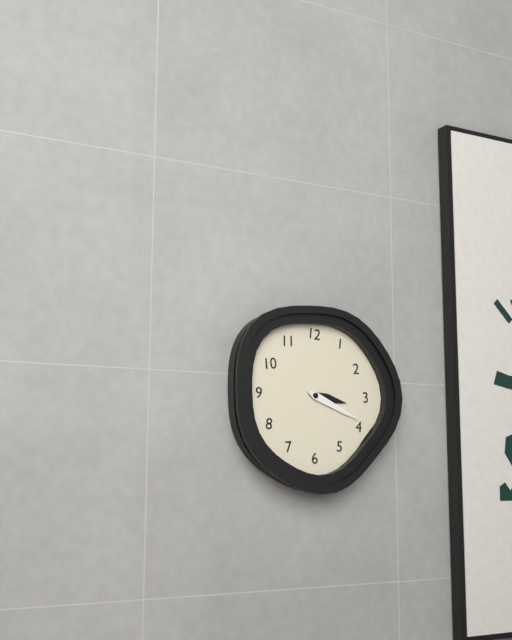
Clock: 3 h 19 min
